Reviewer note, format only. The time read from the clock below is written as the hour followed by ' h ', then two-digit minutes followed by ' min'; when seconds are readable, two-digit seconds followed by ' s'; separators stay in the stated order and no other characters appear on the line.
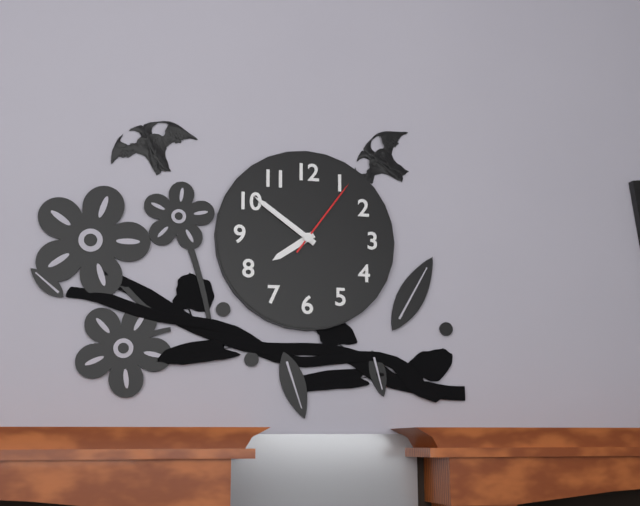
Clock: 7 h 51 min 06 s
